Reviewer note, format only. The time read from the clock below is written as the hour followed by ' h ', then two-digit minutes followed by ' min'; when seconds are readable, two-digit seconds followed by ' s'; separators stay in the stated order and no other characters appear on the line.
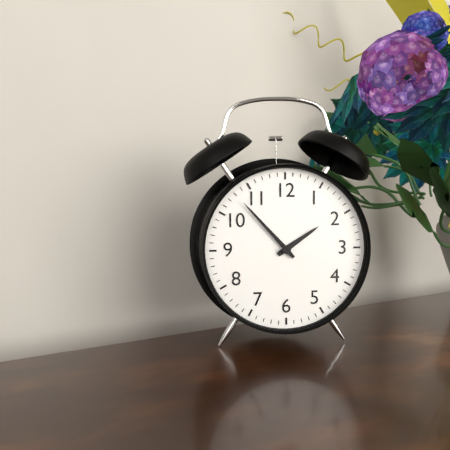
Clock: 1 h 53 min
